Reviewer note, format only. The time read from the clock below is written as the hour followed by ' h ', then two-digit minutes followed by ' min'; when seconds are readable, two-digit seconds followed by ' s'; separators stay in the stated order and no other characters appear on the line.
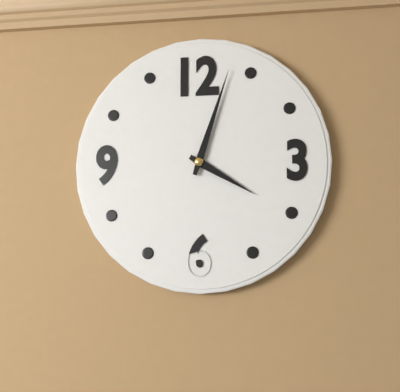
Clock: 4 h 03 min
